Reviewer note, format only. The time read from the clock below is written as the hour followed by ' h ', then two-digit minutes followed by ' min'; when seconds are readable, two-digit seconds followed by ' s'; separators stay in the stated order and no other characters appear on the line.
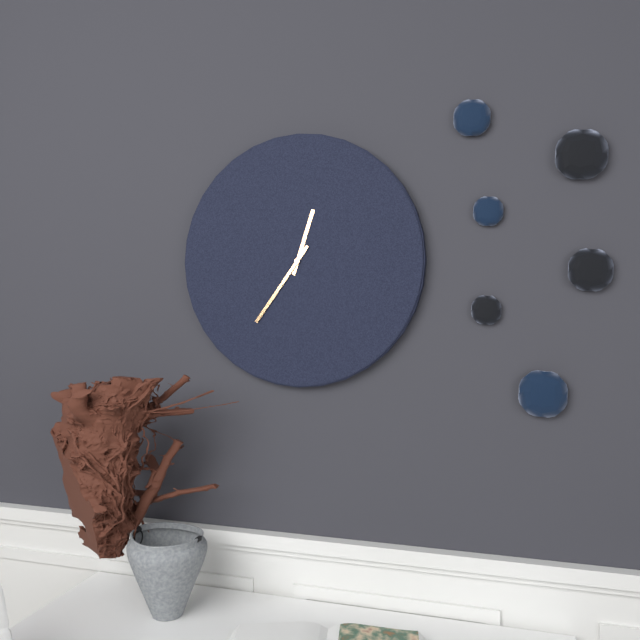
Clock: 12 h 36 min
